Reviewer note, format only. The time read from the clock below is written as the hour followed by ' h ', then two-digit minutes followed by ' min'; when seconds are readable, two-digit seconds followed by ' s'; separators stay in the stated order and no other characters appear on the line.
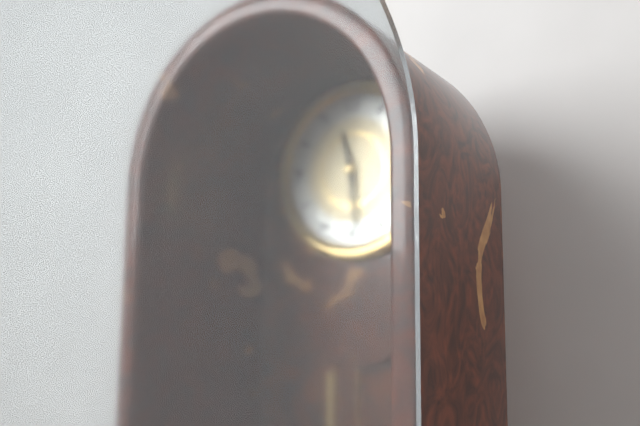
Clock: 11 h 29 min
